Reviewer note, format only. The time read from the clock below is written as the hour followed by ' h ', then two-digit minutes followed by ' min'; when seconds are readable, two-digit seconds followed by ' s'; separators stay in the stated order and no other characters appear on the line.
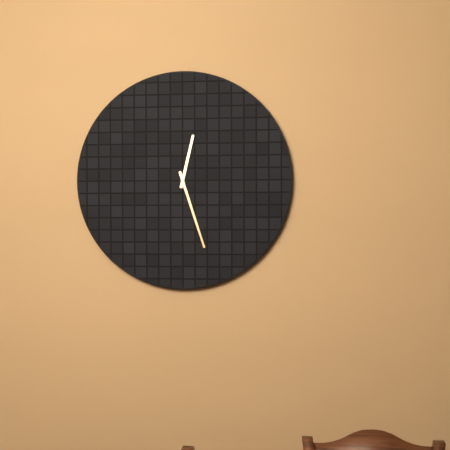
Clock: 12 h 27 min
